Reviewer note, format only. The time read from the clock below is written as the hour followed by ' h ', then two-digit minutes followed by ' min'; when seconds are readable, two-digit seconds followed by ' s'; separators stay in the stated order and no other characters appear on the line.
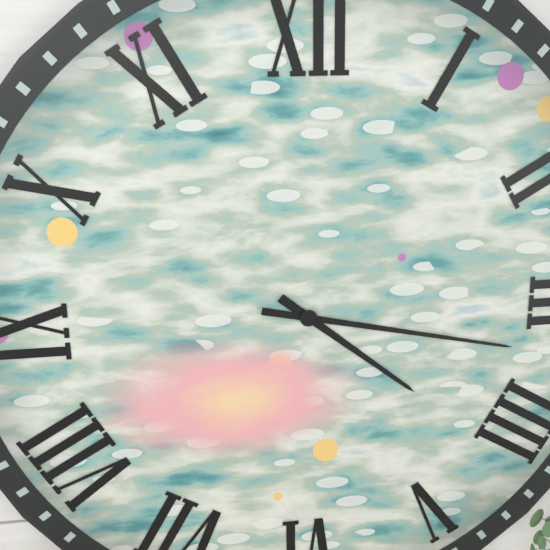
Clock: 4 h 17 min
